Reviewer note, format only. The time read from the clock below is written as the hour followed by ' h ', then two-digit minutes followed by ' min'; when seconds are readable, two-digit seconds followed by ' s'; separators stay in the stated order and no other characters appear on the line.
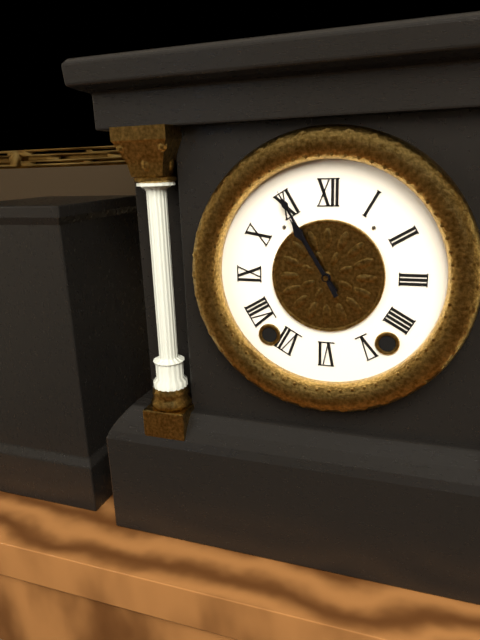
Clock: 10 h 55 min
